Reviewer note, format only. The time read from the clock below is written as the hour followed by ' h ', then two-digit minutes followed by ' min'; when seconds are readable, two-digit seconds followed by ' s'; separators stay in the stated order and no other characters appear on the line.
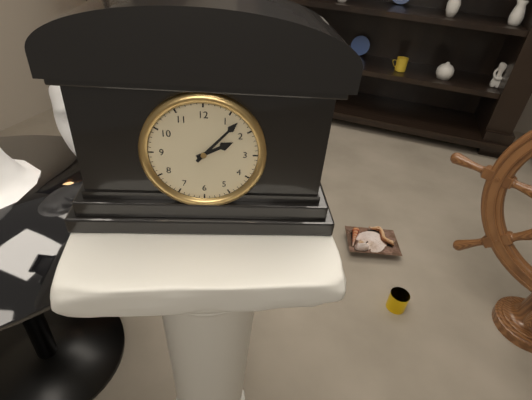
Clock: 2 h 07 min
